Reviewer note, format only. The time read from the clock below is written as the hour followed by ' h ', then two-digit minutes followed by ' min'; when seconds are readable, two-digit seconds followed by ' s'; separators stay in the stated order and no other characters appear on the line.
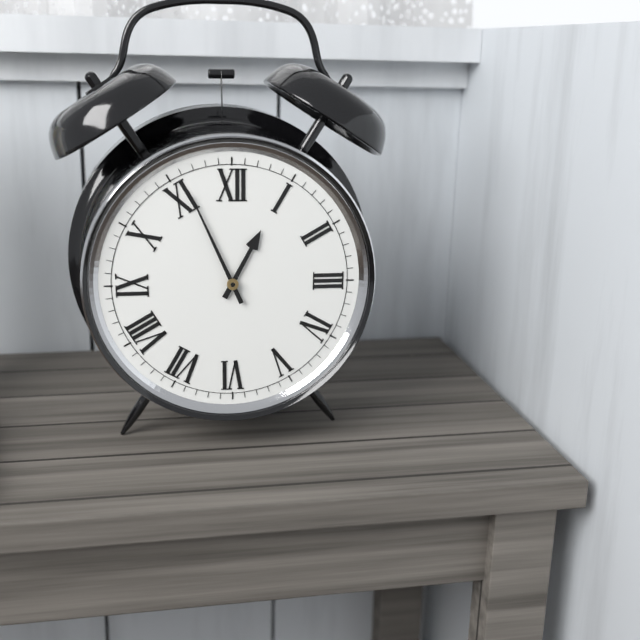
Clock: 12 h 56 min
